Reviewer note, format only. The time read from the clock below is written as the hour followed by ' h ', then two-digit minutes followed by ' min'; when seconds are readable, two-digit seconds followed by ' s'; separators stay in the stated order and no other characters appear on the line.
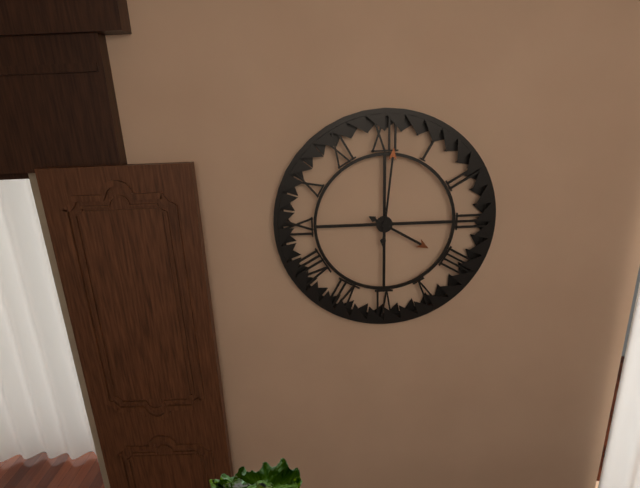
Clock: 4 h 01 min
